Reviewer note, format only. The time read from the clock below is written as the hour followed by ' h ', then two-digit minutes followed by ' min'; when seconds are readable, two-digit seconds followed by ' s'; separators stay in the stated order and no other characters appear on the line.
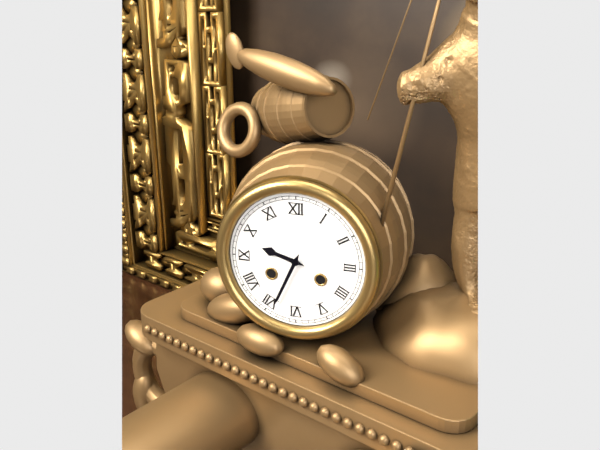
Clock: 9 h 34 min
